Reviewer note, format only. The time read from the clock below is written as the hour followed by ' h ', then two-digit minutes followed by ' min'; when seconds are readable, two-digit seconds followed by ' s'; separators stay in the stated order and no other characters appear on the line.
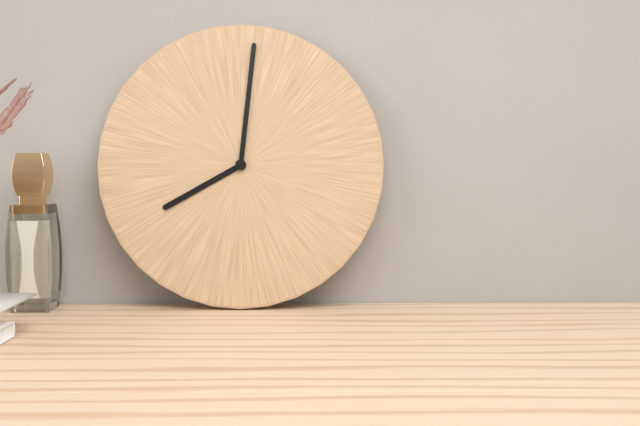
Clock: 8 h 01 min
